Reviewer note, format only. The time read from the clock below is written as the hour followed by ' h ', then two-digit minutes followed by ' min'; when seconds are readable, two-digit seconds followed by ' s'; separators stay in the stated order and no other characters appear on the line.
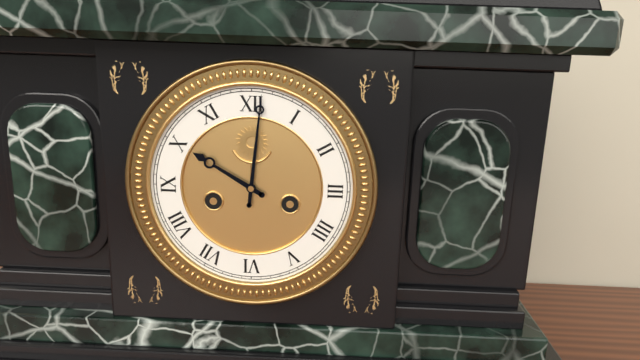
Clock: 10 h 01 min
